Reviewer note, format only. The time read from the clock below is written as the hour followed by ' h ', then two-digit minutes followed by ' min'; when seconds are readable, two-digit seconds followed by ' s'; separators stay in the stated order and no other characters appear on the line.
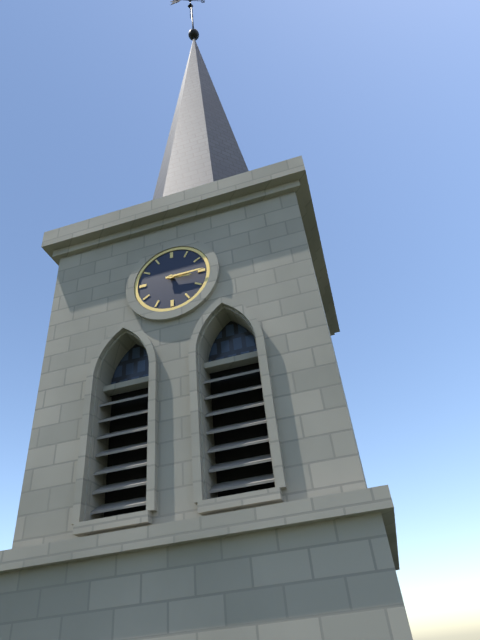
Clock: 3 h 15 min
